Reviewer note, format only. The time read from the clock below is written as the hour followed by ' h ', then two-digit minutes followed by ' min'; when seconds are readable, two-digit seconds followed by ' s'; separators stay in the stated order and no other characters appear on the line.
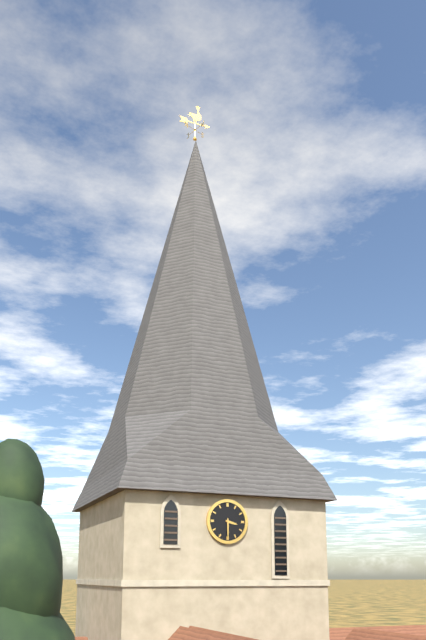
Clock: 3 h 30 min
